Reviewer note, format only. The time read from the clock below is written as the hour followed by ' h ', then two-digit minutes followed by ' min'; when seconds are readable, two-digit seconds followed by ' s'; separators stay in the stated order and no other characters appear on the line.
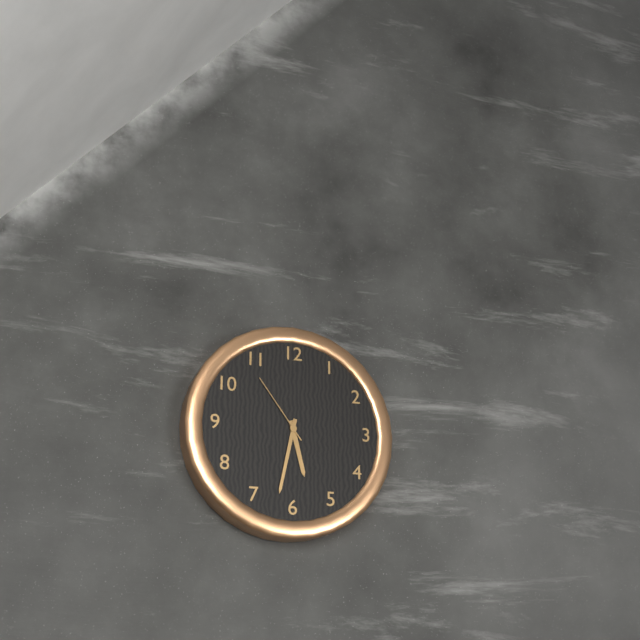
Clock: 5 h 32 min 54 s
